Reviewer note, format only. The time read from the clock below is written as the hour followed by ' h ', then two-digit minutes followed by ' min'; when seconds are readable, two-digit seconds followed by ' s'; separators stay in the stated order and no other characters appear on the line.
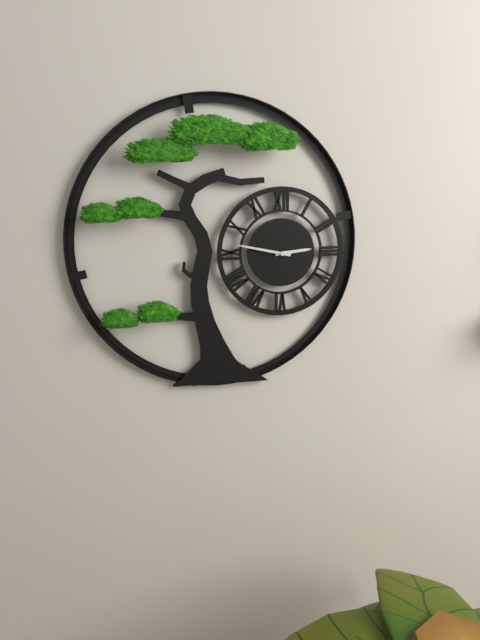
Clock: 2 h 47 min
